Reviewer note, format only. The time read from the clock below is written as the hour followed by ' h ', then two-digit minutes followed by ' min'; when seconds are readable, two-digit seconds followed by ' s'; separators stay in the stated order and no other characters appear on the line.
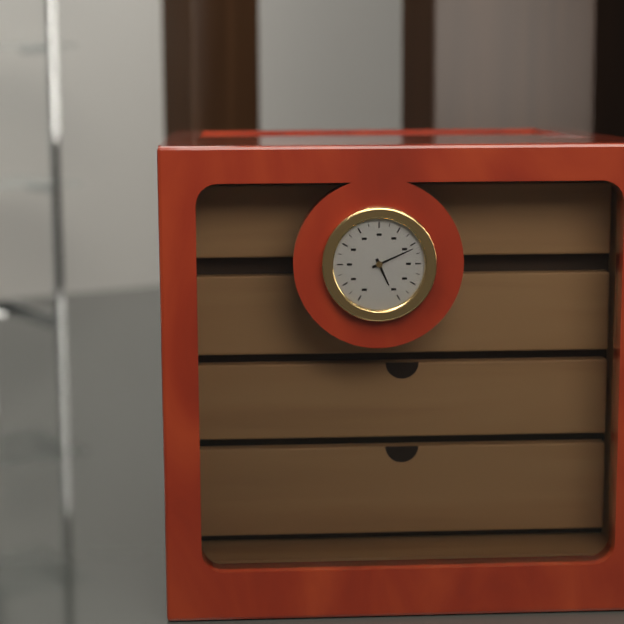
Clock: 5 h 11 min
